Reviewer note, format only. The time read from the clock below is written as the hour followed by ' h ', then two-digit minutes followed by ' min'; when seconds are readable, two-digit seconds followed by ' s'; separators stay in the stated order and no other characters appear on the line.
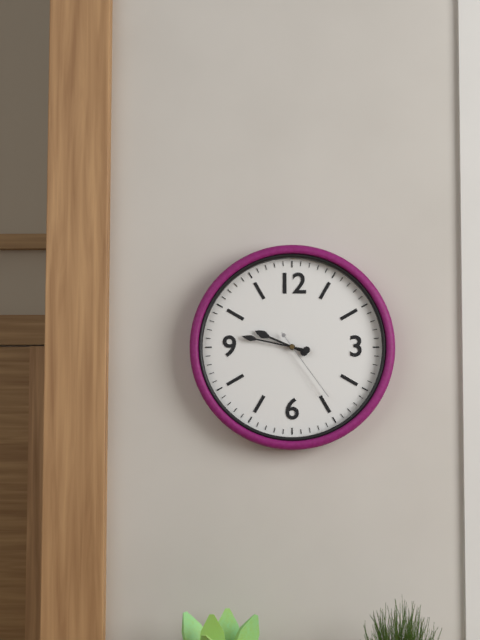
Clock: 9 h 47 min 24 s
